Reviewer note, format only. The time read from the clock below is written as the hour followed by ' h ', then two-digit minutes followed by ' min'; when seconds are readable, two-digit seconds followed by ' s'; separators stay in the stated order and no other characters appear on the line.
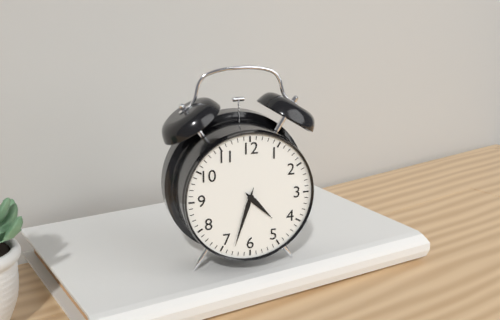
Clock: 4 h 33 min
